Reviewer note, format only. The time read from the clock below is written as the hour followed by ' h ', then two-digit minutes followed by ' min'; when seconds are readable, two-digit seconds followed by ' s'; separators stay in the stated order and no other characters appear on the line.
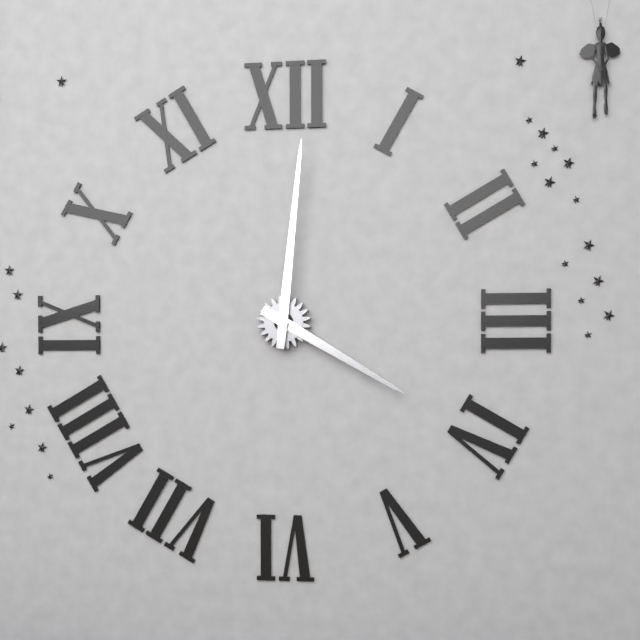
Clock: 4 h 01 min
